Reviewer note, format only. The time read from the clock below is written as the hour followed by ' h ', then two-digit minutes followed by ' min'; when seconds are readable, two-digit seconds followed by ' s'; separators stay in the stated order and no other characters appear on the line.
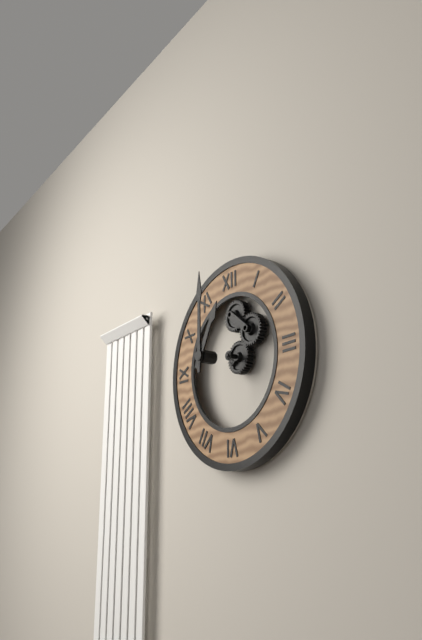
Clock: 1 h 00 min
